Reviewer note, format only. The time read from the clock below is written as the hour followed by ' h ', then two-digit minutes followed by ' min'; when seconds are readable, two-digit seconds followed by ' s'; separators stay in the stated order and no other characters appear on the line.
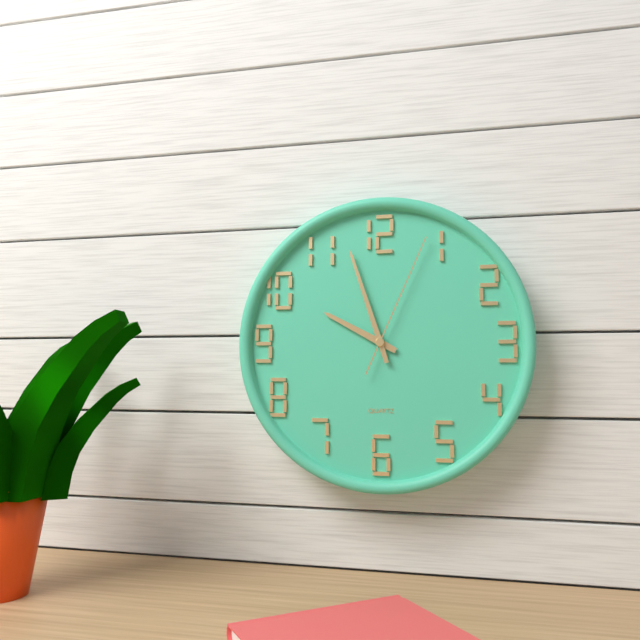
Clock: 9 h 57 min 04 s
